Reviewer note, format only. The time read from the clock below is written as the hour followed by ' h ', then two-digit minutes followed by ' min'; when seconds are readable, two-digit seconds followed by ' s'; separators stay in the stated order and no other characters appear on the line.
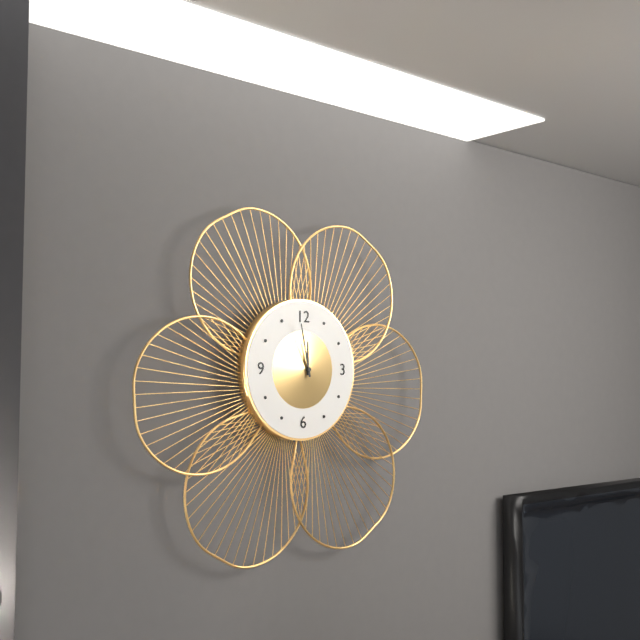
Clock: 11 h 58 min
